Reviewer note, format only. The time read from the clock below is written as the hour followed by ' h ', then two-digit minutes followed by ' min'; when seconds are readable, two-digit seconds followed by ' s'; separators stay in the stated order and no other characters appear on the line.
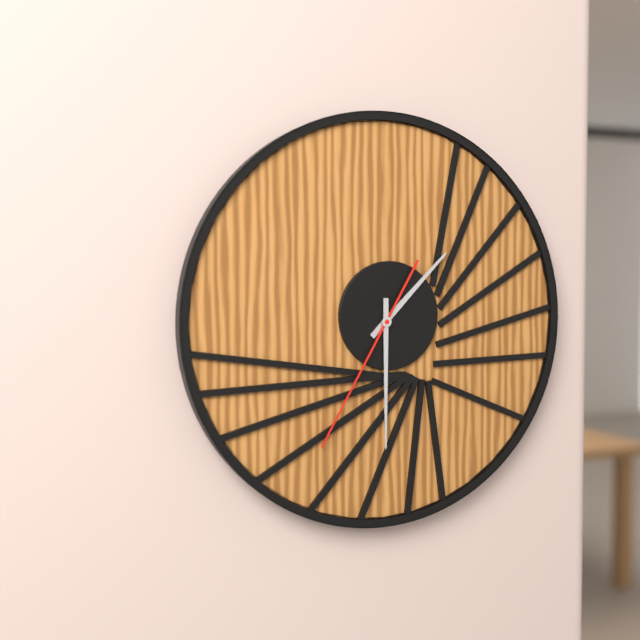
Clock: 1 h 30 min 35 s
